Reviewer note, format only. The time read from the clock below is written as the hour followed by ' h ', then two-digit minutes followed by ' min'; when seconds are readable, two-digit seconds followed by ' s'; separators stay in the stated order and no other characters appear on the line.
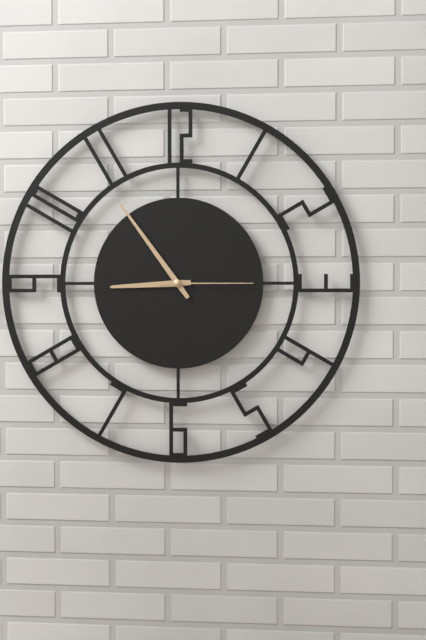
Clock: 8 h 54 min 15 s
